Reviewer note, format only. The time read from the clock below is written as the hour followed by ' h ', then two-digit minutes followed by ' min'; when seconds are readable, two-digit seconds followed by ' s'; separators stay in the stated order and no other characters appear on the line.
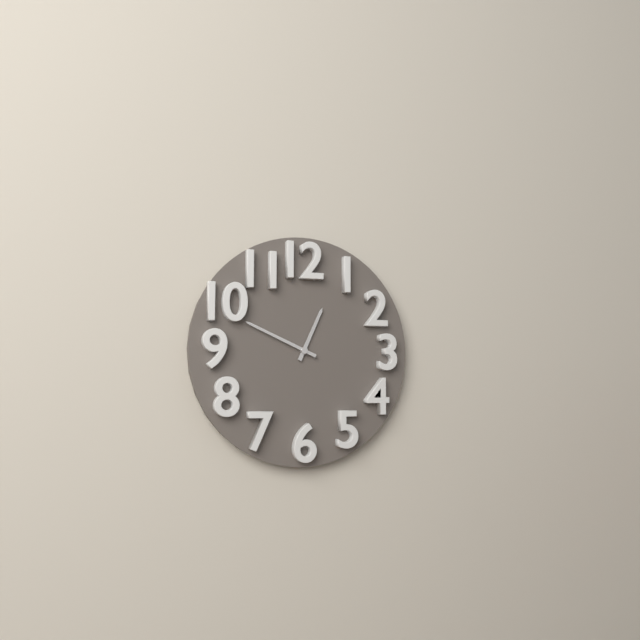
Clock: 12 h 49 min
